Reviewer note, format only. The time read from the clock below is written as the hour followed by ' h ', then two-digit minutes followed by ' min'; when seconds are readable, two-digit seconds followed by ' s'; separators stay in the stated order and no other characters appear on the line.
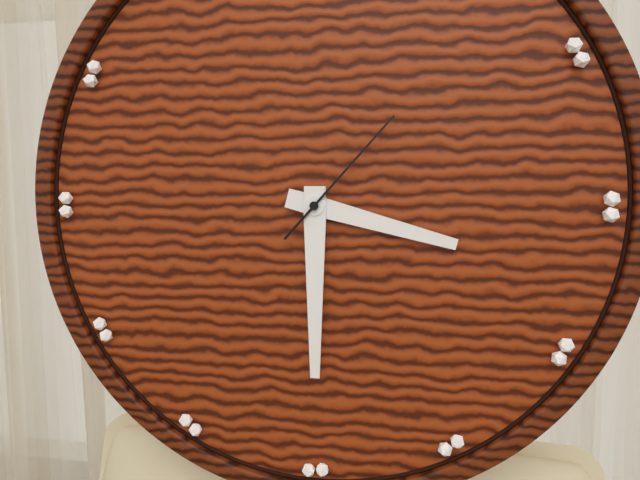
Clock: 3 h 30 min 07 s
